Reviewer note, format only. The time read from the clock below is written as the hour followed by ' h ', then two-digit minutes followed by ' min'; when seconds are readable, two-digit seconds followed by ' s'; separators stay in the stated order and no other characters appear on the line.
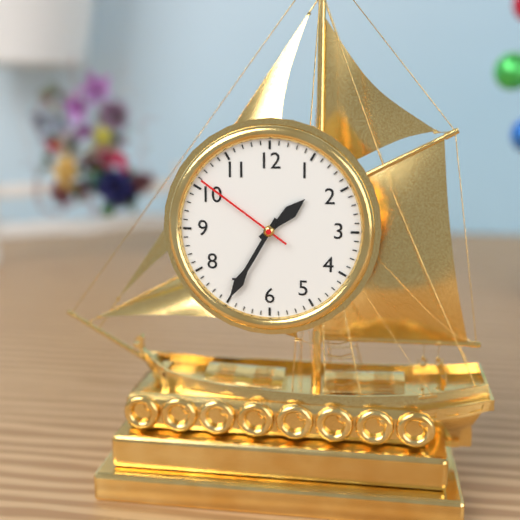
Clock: 1 h 35 min 51 s
